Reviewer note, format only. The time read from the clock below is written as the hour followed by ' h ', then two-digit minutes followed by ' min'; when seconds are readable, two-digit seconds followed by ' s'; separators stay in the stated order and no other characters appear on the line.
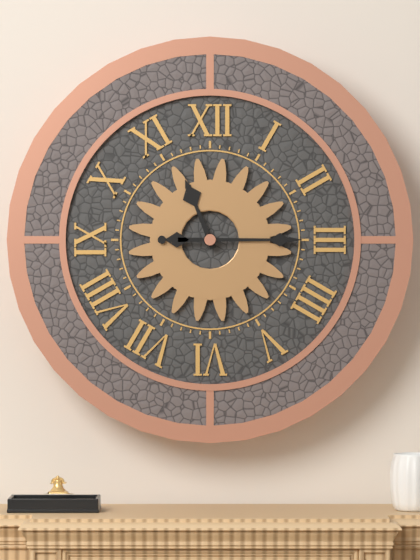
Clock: 11 h 15 min
